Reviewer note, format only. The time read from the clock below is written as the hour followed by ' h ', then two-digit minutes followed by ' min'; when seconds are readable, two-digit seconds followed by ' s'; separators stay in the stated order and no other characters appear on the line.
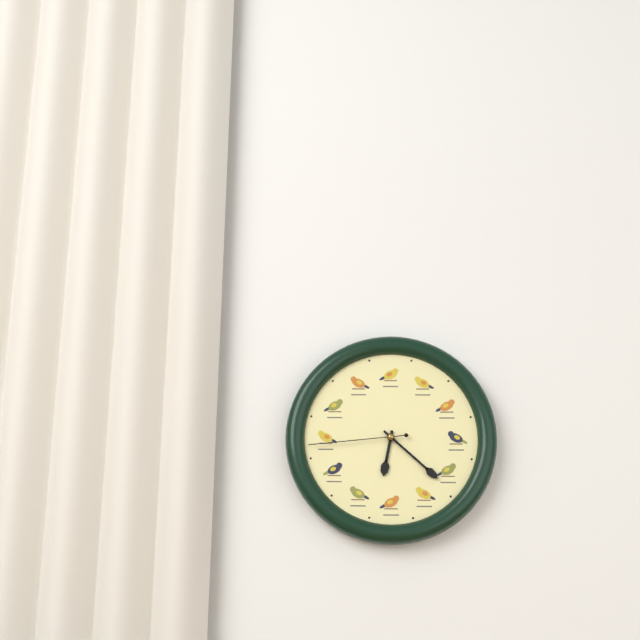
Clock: 6 h 22 min 44 s
